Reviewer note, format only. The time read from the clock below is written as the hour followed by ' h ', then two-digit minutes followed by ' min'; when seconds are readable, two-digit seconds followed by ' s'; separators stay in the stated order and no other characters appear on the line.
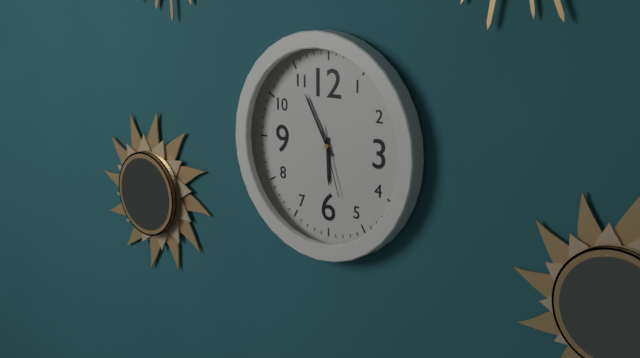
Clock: 5 h 55 min 27 s
